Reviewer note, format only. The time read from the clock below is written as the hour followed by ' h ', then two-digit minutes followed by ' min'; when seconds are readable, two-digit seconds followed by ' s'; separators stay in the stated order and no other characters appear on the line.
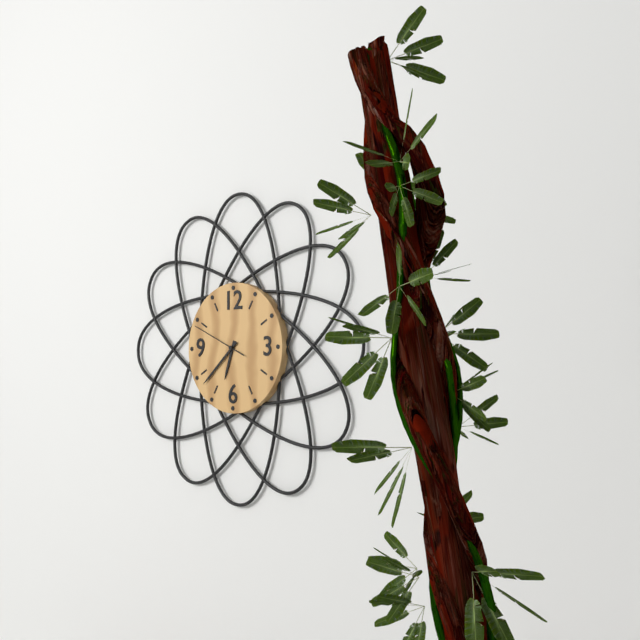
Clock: 6 h 38 min 49 s
